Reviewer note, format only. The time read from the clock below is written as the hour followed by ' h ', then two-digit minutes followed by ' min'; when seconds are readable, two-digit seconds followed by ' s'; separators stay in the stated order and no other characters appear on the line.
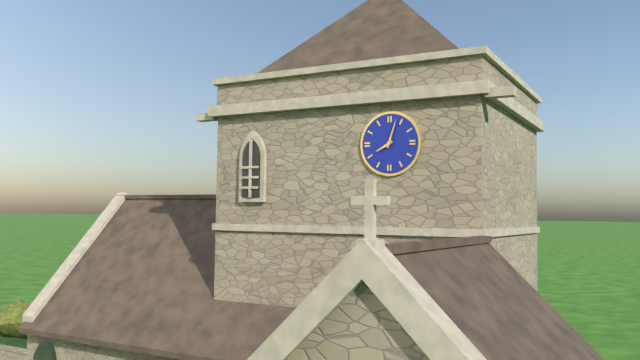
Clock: 8 h 03 min
